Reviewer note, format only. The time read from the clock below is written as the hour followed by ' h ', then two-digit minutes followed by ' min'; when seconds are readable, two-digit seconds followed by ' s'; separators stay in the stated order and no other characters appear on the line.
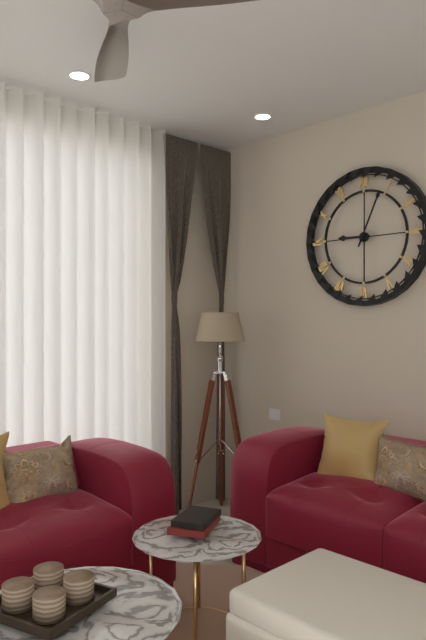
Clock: 9 h 04 min
